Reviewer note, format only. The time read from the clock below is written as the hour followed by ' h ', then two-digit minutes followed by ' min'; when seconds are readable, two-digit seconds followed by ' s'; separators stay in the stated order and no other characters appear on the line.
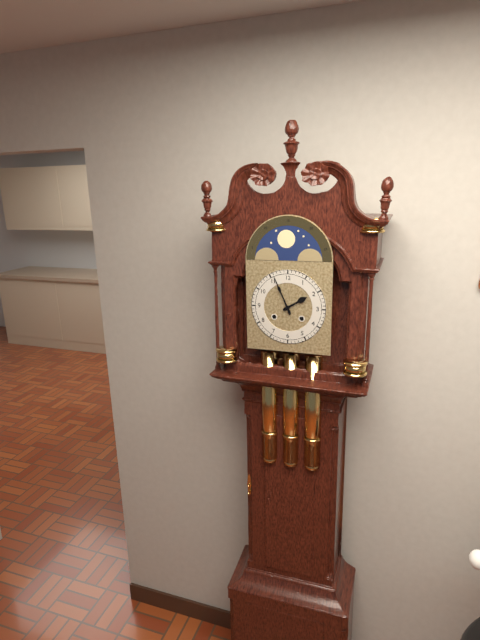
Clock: 1 h 56 min
